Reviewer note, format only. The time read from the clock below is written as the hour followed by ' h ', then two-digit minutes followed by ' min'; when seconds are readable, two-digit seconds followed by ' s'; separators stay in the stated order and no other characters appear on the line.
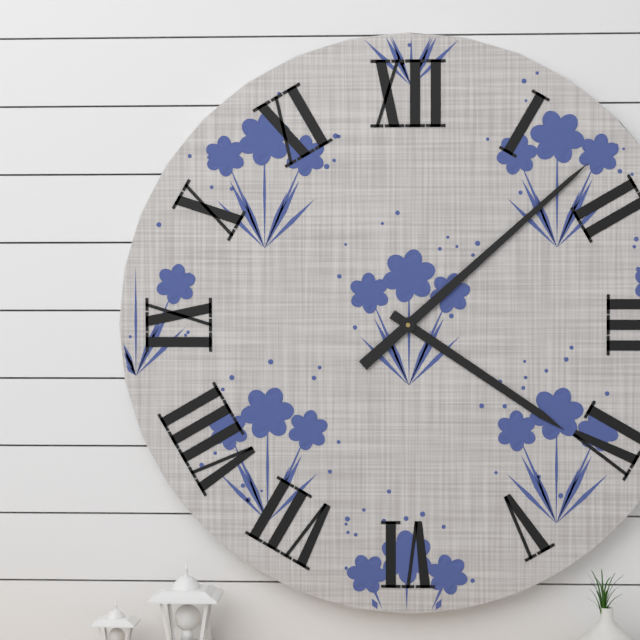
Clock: 4 h 08 min
